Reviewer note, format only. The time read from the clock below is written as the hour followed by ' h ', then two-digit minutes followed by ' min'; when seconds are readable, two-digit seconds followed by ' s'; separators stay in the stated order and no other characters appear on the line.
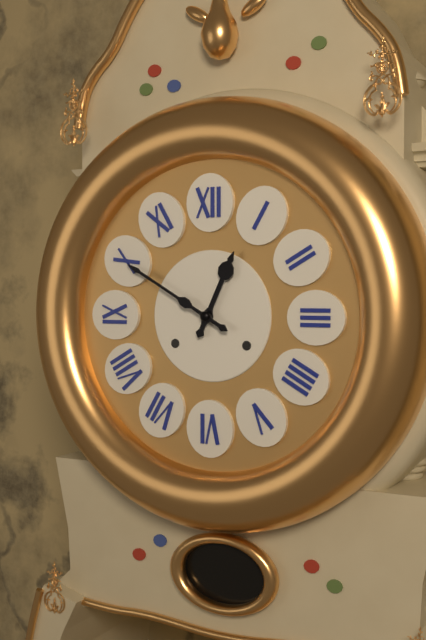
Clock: 12 h 50 min
